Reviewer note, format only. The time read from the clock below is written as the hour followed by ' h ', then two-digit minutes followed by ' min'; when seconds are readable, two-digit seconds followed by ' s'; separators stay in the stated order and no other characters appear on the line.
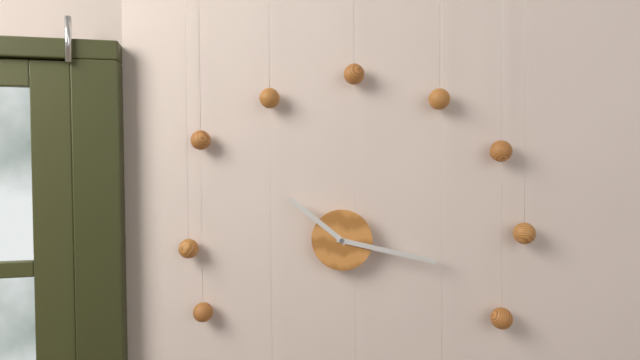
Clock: 10 h 17 min
